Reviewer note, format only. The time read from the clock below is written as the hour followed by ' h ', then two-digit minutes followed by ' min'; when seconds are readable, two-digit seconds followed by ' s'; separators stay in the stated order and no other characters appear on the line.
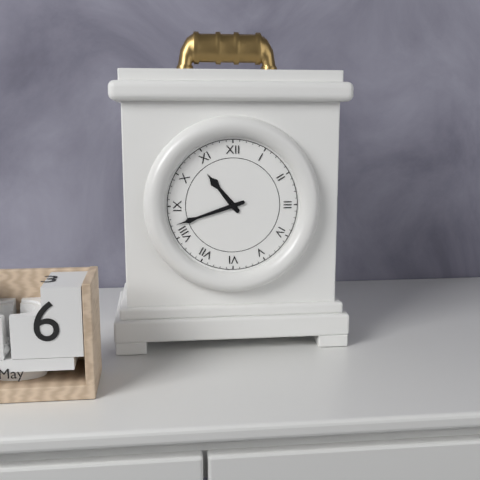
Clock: 10 h 42 min
